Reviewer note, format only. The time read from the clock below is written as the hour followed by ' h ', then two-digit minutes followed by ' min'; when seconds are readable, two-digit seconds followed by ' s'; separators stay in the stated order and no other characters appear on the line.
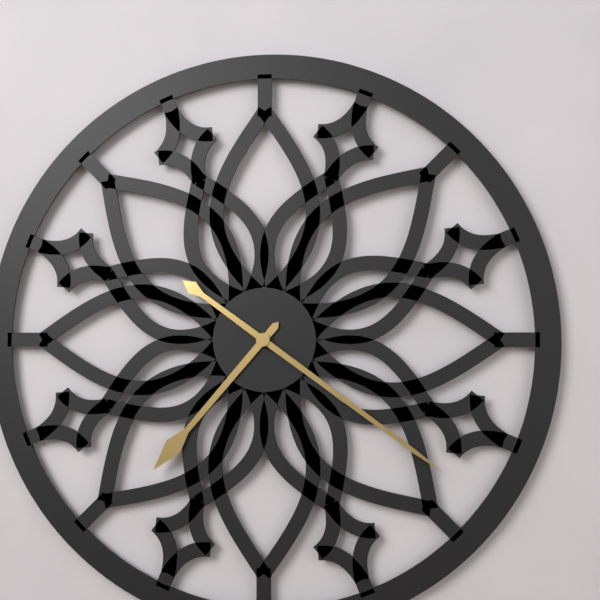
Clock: 7 h 21 min
